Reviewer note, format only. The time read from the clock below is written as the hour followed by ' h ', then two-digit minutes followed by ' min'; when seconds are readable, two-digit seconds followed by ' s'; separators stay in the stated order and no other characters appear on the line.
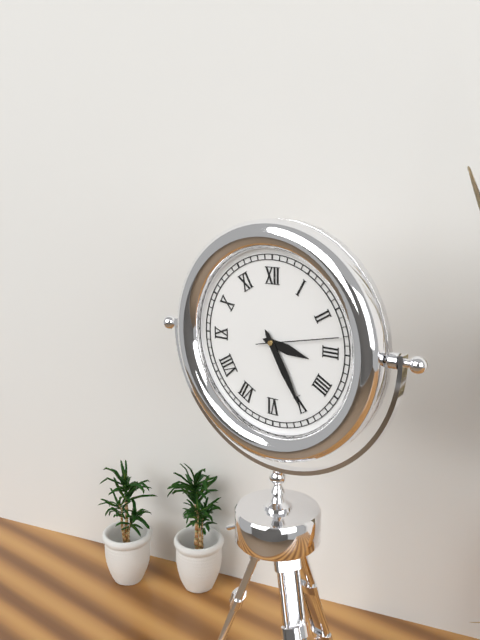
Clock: 3 h 25 min 13 s
